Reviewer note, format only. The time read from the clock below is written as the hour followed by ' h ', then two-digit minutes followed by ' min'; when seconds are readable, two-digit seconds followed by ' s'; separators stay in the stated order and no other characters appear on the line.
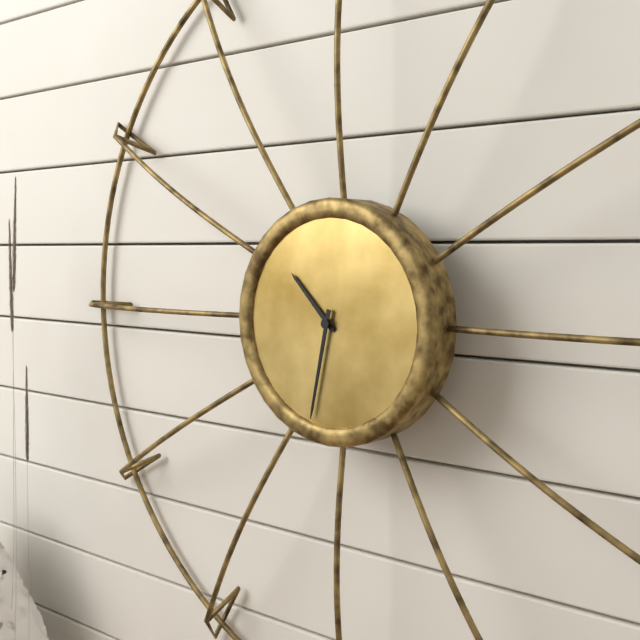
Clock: 10 h 32 min
